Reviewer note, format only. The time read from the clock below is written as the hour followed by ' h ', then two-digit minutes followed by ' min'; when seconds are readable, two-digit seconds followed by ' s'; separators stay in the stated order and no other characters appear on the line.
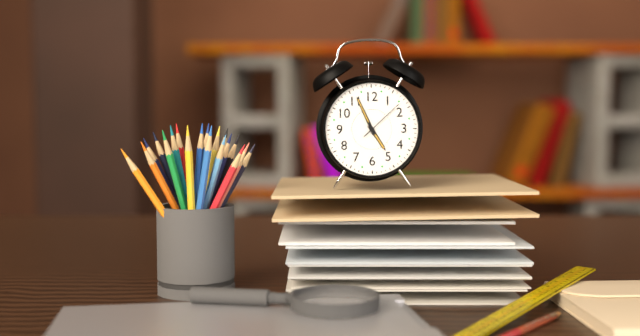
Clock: 4 h 56 min
